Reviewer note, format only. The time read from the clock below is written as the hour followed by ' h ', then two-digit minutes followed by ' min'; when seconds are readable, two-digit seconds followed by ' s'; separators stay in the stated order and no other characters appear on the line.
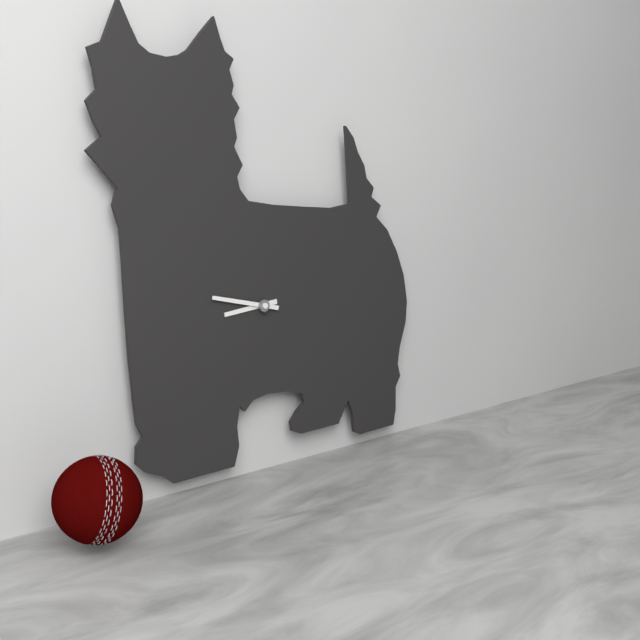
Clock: 8 h 47 min
